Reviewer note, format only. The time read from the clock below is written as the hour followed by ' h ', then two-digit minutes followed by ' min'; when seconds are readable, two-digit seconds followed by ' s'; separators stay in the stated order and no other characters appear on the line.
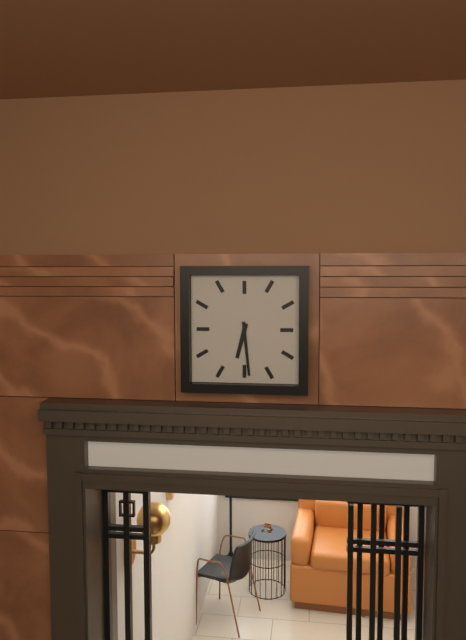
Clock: 6 h 29 min
